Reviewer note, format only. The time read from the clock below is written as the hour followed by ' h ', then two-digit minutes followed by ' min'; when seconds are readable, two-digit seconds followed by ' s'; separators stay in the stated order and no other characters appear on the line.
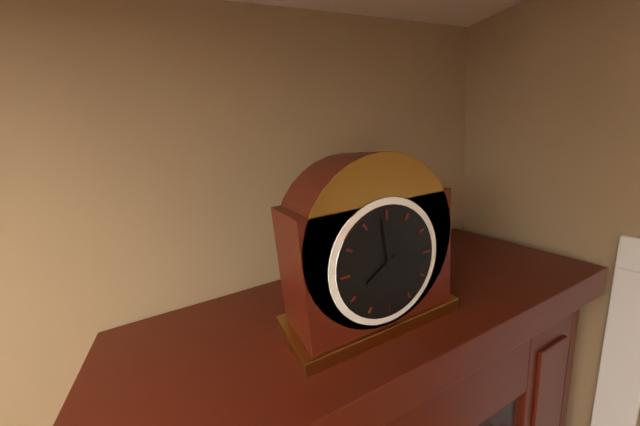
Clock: 7 h 59 min
